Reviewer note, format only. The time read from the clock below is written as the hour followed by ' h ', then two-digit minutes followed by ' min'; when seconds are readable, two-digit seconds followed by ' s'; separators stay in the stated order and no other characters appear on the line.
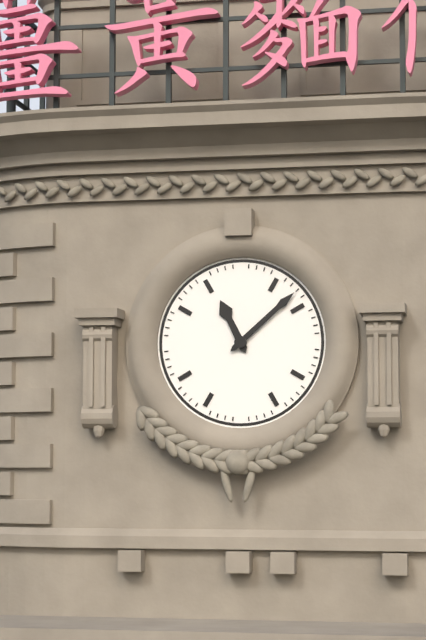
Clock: 11 h 08 min
